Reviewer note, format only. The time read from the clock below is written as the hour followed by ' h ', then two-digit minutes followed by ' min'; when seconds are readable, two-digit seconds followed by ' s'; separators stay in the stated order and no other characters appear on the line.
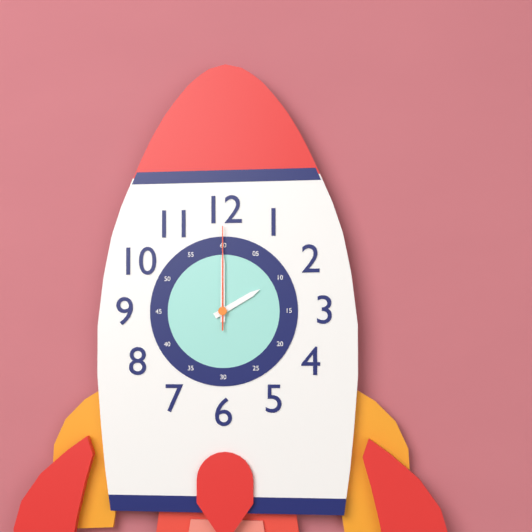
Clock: 2 h 00 min 00 s
